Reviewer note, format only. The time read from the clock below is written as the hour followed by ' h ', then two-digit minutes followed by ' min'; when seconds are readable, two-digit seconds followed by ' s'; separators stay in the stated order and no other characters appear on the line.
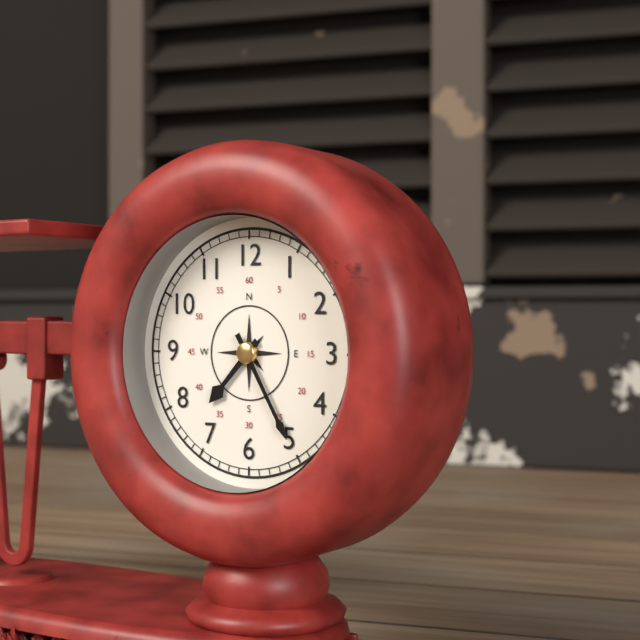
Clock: 7 h 25 min
